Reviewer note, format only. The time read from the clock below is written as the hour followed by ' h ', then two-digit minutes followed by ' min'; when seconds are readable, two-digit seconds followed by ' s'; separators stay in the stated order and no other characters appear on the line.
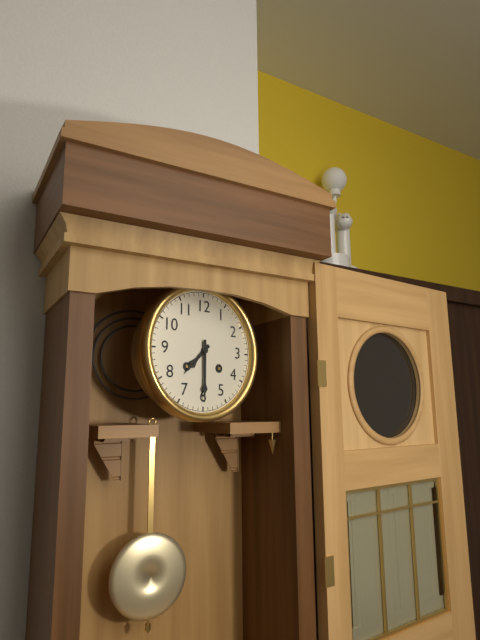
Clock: 7 h 30 min
